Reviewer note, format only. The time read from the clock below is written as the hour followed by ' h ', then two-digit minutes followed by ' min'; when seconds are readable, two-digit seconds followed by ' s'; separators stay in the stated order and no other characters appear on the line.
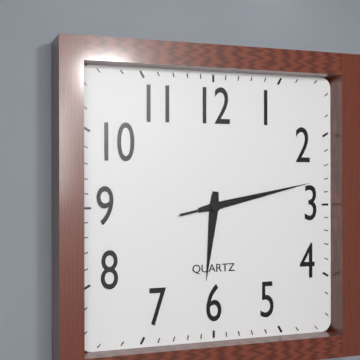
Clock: 6 h 13 min 13 s
